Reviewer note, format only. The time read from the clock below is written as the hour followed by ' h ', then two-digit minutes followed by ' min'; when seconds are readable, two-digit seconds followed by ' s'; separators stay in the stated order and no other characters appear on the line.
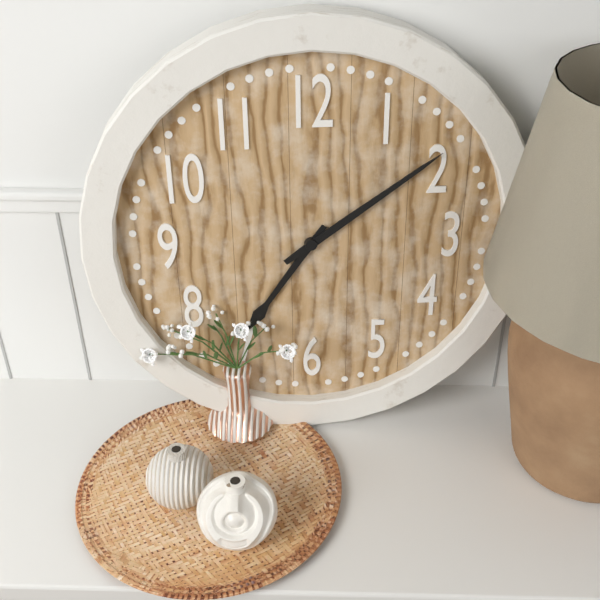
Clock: 7 h 09 min
